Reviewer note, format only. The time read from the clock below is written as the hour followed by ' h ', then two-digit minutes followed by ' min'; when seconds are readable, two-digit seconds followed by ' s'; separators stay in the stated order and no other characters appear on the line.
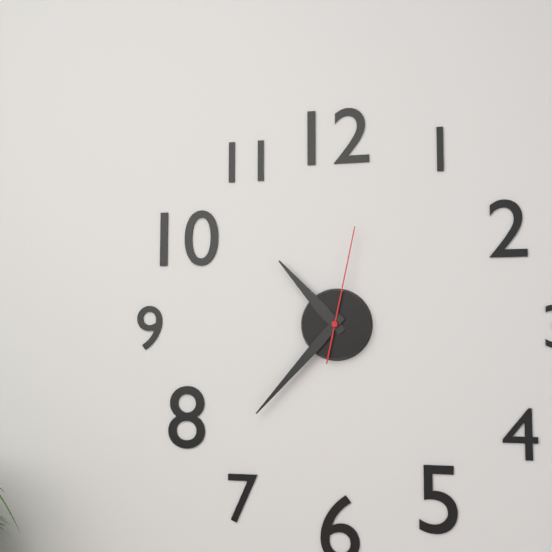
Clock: 10 h 37 min 02 s
